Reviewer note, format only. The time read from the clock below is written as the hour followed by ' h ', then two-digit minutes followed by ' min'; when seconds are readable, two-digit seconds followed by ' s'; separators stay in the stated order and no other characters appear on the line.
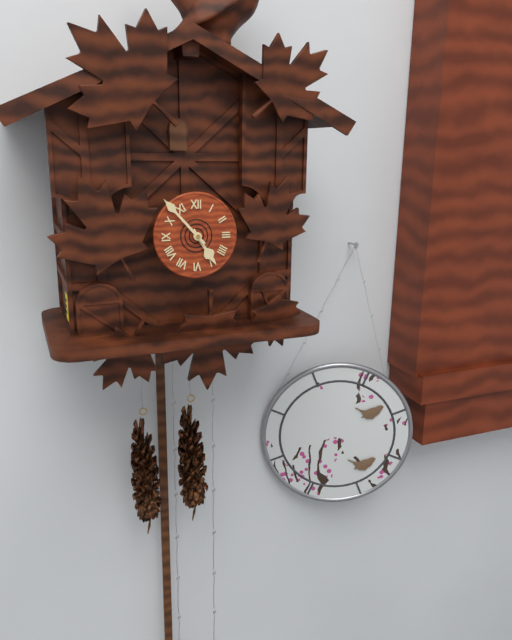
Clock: 4 h 53 min
